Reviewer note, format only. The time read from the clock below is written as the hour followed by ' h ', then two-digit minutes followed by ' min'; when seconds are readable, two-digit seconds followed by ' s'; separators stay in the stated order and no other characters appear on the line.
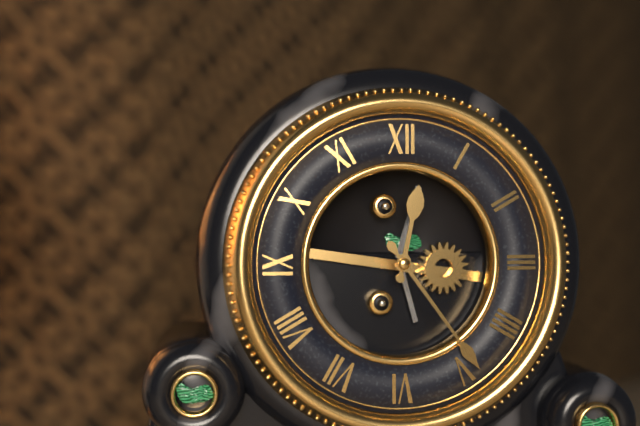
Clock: 12 h 24 min
